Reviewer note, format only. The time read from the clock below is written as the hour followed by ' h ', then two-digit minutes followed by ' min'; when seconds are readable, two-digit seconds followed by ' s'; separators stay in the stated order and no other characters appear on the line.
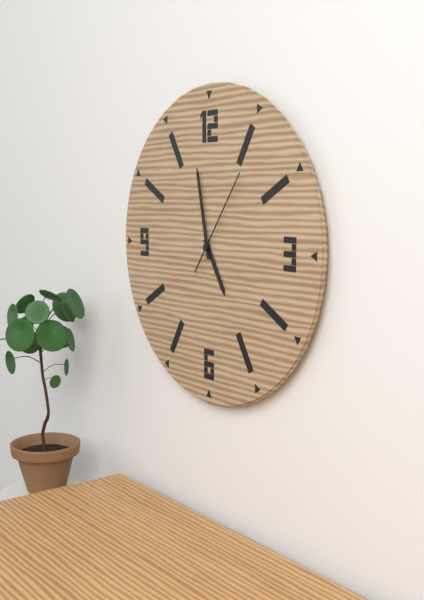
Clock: 4 h 58 min 06 s
